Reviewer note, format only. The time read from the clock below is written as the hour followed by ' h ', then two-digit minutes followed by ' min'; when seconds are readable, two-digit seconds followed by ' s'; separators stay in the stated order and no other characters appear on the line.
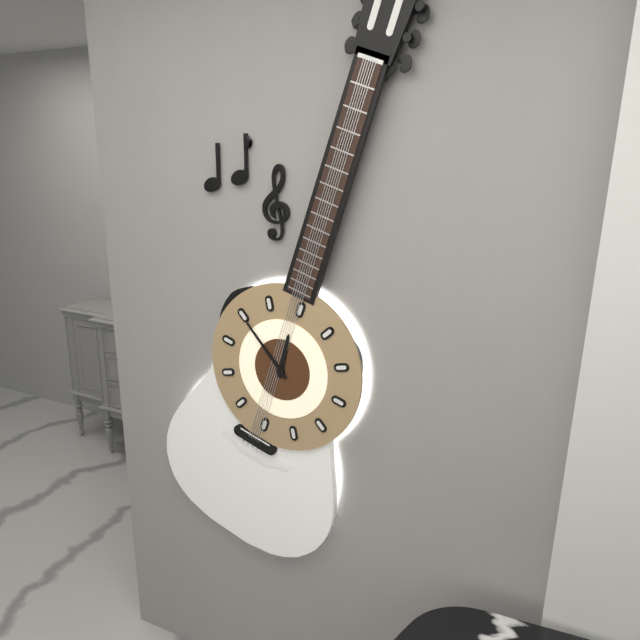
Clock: 11 h 50 min
